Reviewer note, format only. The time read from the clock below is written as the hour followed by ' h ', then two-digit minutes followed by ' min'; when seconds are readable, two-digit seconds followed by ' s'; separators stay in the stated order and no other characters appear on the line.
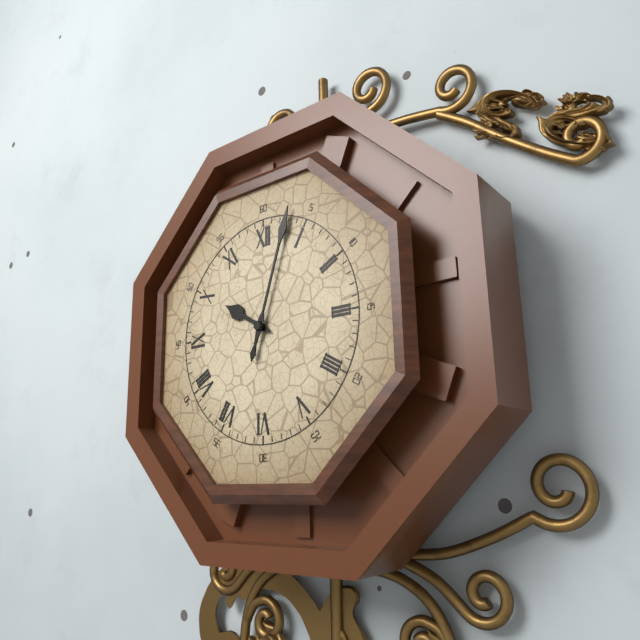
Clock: 10 h 03 min
